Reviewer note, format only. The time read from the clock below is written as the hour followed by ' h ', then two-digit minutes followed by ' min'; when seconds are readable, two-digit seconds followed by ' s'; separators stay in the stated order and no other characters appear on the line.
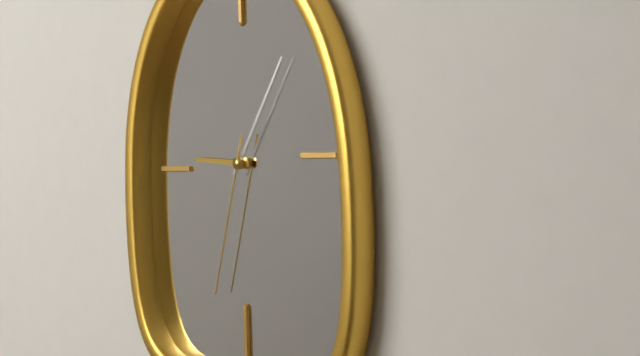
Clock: 9 h 06 min 33 s
